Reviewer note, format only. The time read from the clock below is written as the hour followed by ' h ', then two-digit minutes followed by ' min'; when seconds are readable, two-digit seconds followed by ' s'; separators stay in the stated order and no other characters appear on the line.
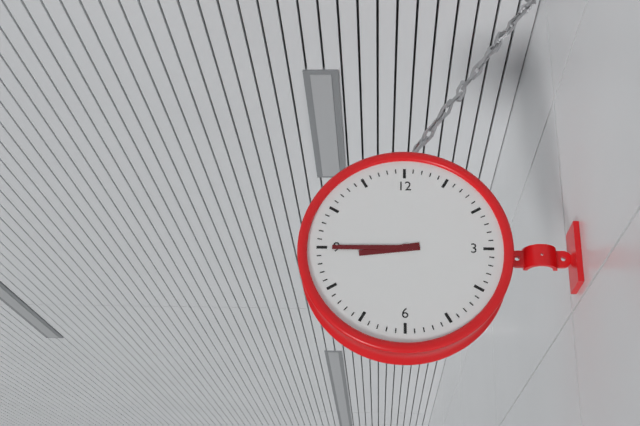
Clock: 8 h 45 min
